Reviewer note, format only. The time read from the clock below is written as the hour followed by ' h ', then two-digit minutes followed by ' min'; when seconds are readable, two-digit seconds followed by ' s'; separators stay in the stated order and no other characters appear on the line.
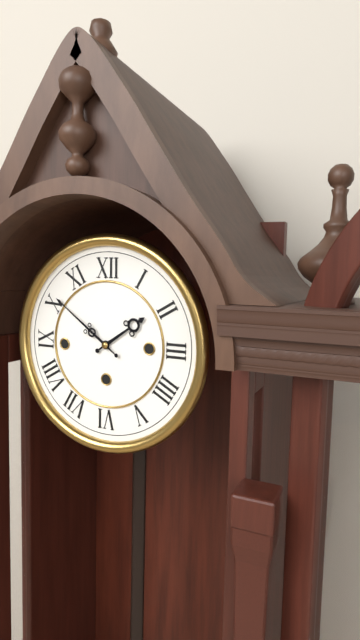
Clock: 1 h 51 min
